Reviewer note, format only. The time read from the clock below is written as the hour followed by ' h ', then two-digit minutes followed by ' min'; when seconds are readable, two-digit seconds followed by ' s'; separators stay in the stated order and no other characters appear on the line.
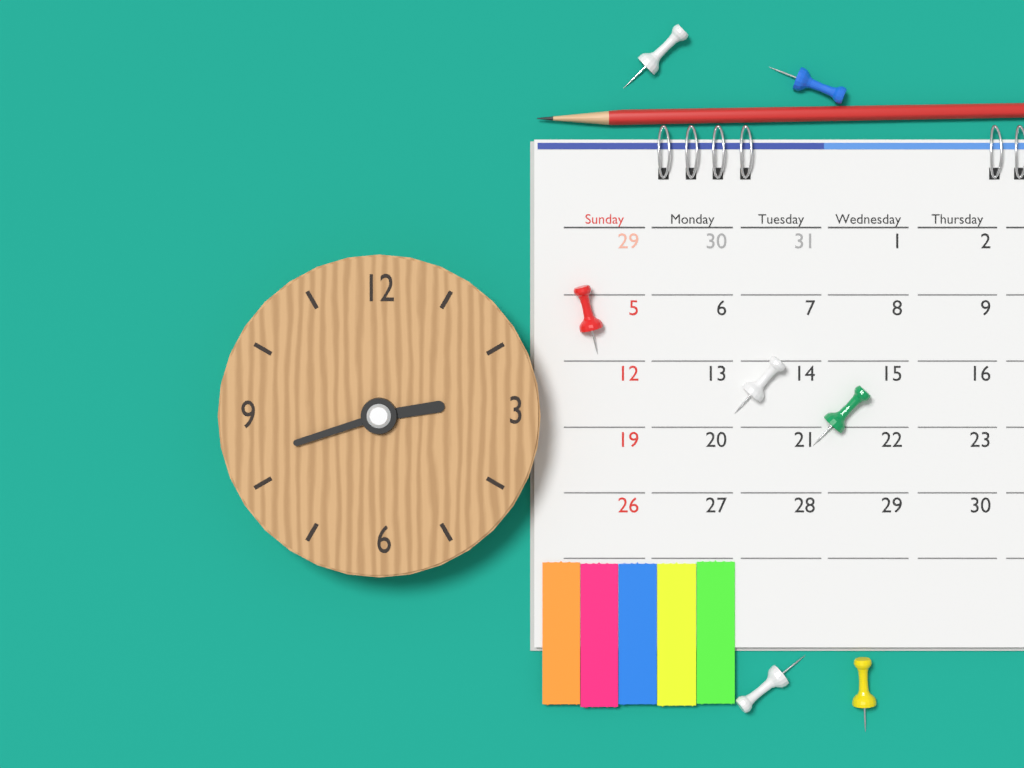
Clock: 2 h 42 min
